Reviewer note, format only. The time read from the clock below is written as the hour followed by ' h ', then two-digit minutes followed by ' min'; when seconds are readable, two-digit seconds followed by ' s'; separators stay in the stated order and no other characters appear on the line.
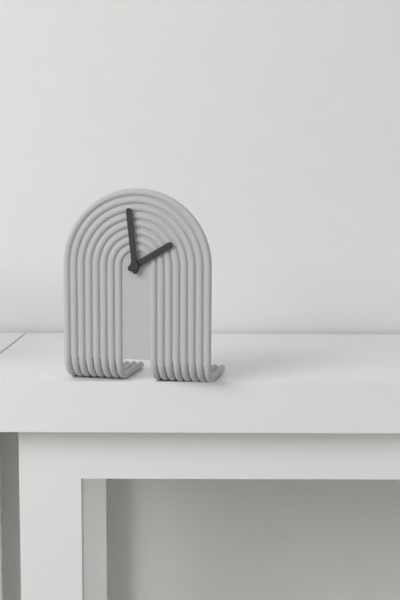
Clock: 1 h 59 min
